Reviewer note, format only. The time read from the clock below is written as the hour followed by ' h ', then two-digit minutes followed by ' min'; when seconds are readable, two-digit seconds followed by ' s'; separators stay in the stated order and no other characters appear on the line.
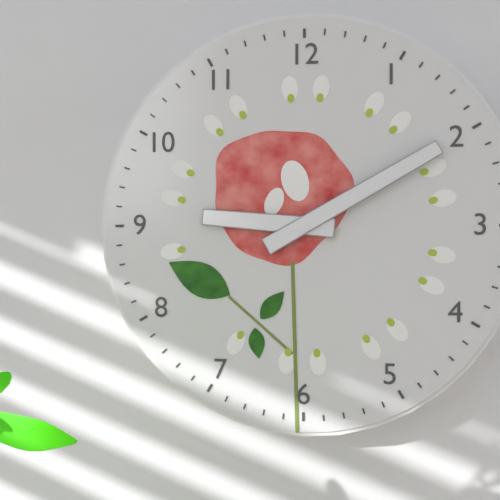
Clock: 9 h 10 min
